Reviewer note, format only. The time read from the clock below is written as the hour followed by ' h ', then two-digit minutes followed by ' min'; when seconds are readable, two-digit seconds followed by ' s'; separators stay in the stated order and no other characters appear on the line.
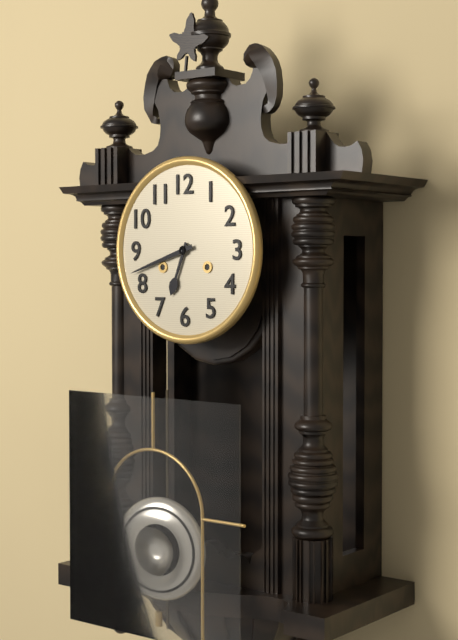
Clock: 6 h 42 min
